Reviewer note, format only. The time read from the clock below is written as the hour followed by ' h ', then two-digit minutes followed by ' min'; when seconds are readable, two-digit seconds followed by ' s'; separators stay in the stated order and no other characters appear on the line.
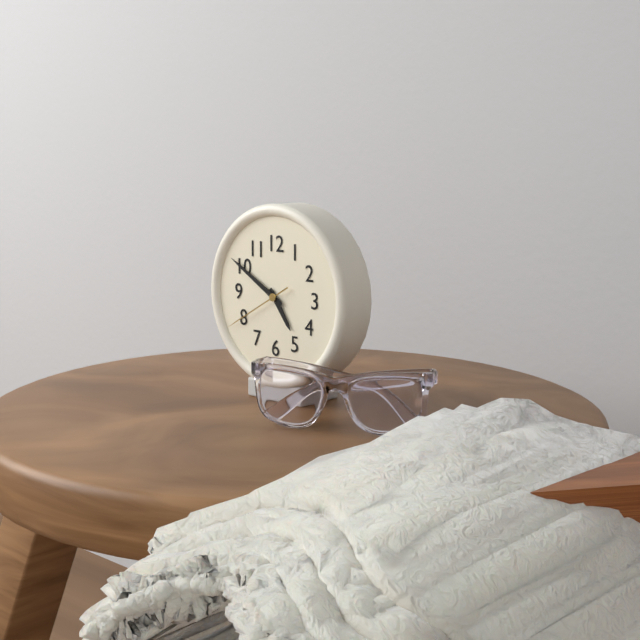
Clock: 4 h 50 min 40 s
